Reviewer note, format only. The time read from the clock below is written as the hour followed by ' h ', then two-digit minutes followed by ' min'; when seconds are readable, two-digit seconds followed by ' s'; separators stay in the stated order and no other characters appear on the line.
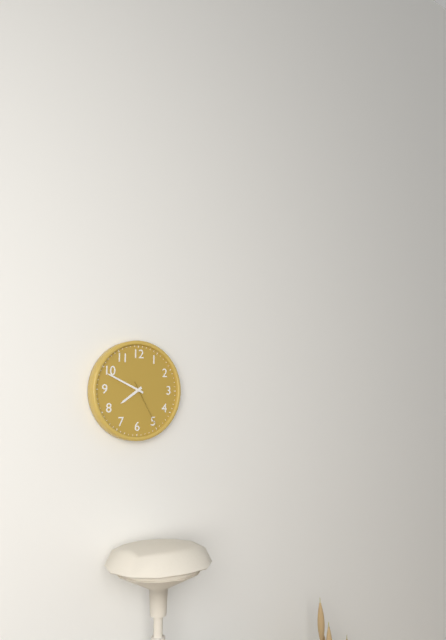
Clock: 7 h 49 min 25 s
